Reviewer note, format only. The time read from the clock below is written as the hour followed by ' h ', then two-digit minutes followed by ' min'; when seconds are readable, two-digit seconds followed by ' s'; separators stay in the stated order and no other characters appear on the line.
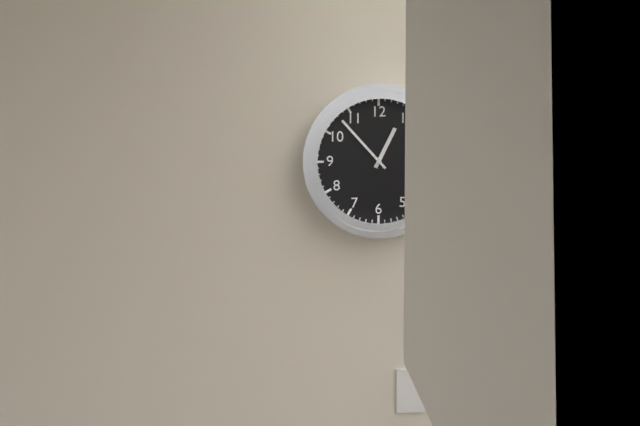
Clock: 12 h 53 min
